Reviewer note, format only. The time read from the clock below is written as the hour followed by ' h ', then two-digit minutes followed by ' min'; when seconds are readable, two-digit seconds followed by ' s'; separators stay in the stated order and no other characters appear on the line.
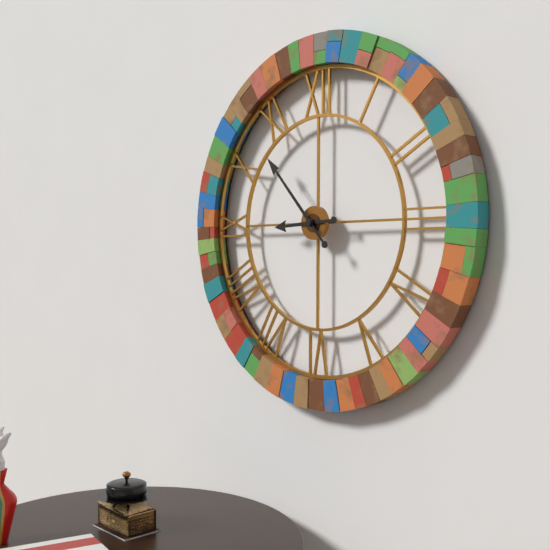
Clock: 8 h 53 min
